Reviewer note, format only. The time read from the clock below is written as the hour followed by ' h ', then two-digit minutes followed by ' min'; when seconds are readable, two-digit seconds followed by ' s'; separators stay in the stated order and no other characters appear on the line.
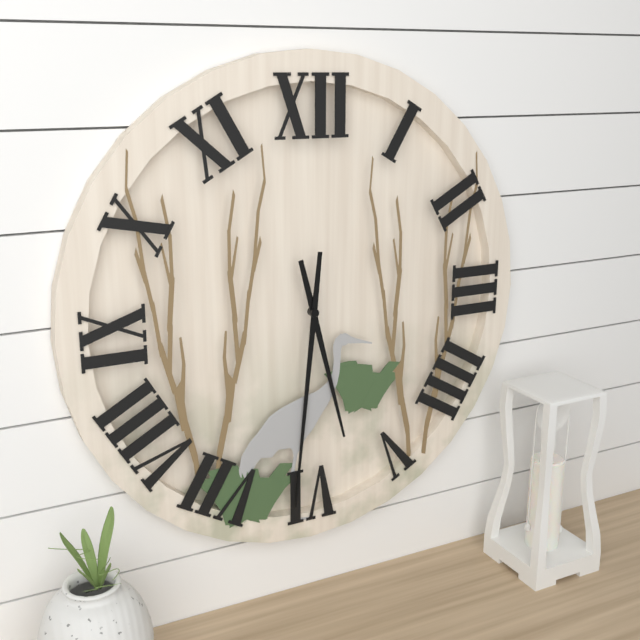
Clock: 5 h 31 min
